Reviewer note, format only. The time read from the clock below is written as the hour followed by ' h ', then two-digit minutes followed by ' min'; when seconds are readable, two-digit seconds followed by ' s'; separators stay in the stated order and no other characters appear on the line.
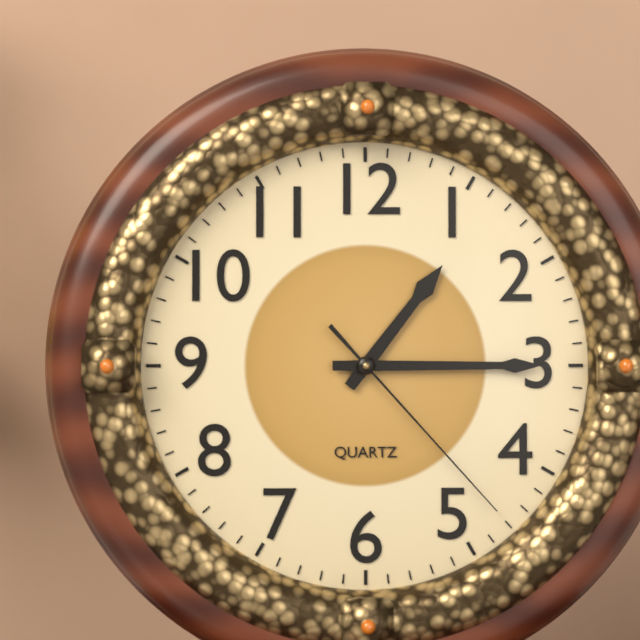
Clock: 1 h 15 min 23 s
